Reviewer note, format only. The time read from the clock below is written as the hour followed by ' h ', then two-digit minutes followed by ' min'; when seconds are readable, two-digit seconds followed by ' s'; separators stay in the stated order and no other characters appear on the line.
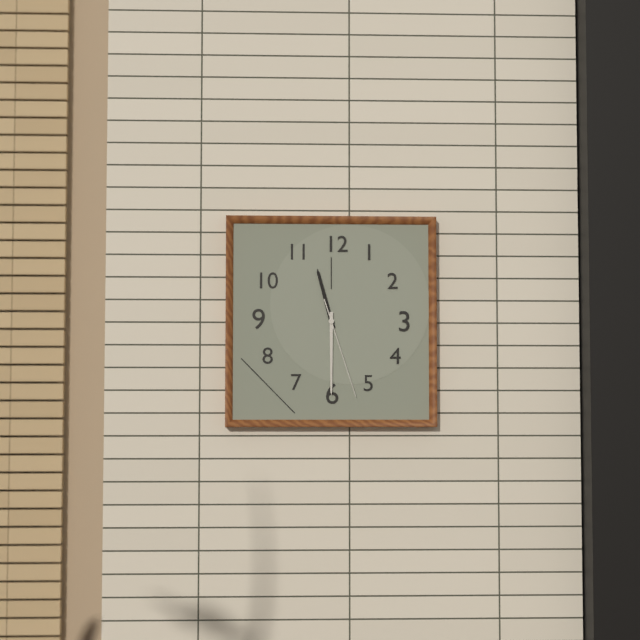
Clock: 11 h 30 min 27 s
